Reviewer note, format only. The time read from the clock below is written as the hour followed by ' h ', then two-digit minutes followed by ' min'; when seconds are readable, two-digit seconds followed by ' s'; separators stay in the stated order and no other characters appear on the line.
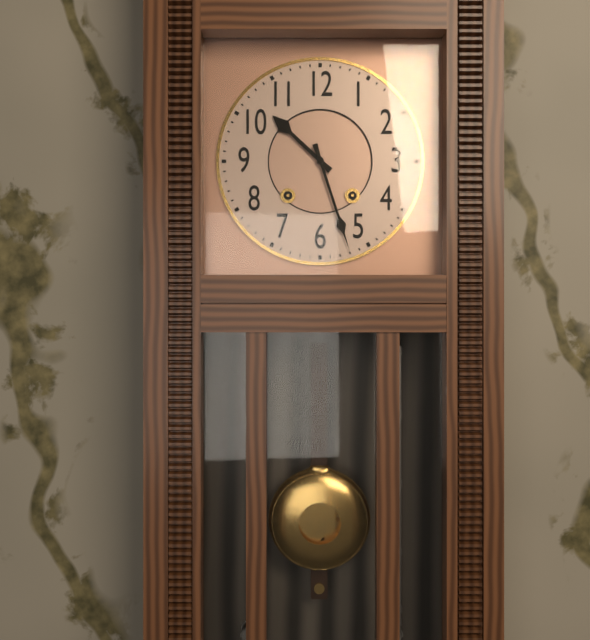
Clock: 10 h 27 min
